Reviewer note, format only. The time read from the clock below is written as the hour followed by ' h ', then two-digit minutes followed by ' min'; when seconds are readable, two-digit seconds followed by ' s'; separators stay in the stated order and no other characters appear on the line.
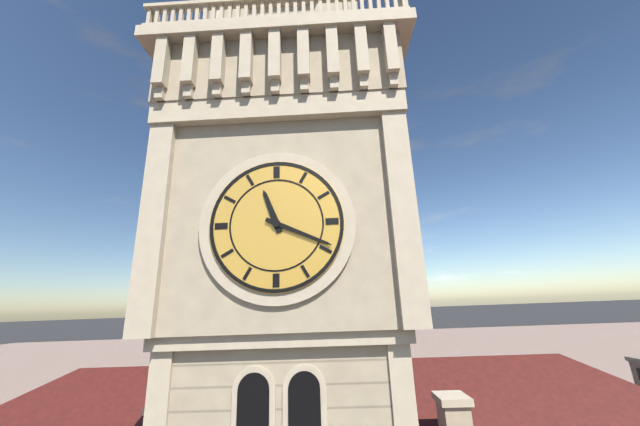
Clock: 11 h 19 min
